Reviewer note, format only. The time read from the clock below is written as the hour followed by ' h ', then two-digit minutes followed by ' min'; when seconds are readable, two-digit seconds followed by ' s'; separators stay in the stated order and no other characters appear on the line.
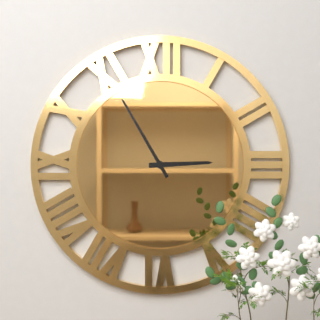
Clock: 2 h 55 min
